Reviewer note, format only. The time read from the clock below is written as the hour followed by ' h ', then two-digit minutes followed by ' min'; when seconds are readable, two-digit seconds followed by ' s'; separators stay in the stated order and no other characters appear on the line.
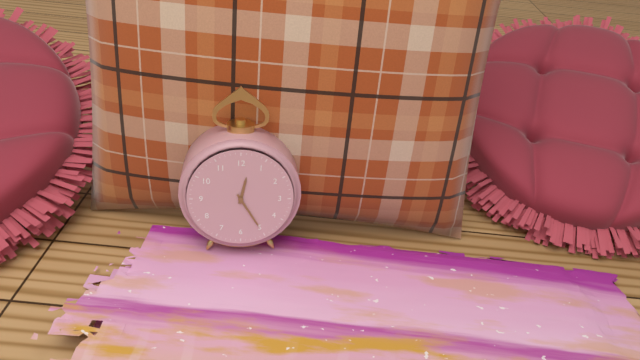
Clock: 12 h 25 min
